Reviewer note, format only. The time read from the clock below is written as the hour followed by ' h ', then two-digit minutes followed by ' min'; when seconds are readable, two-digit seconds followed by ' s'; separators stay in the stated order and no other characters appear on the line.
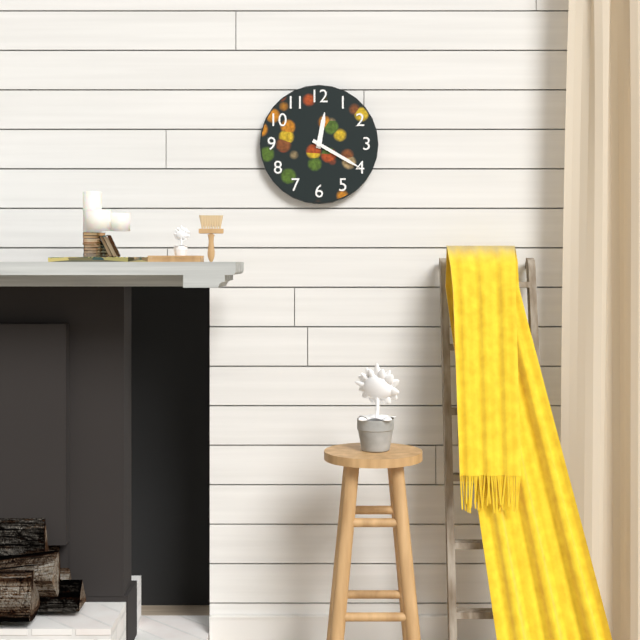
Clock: 12 h 20 min
